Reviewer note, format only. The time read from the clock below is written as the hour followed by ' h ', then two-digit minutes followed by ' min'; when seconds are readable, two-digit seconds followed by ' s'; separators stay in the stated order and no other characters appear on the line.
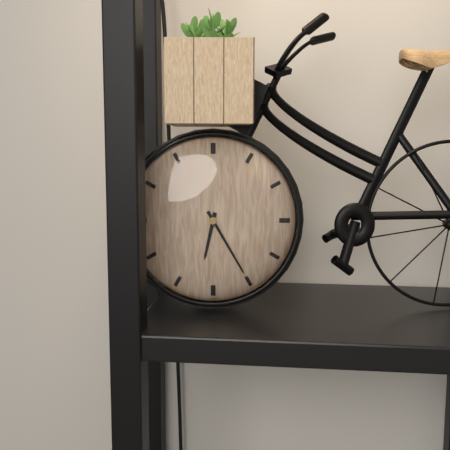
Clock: 6 h 25 min
